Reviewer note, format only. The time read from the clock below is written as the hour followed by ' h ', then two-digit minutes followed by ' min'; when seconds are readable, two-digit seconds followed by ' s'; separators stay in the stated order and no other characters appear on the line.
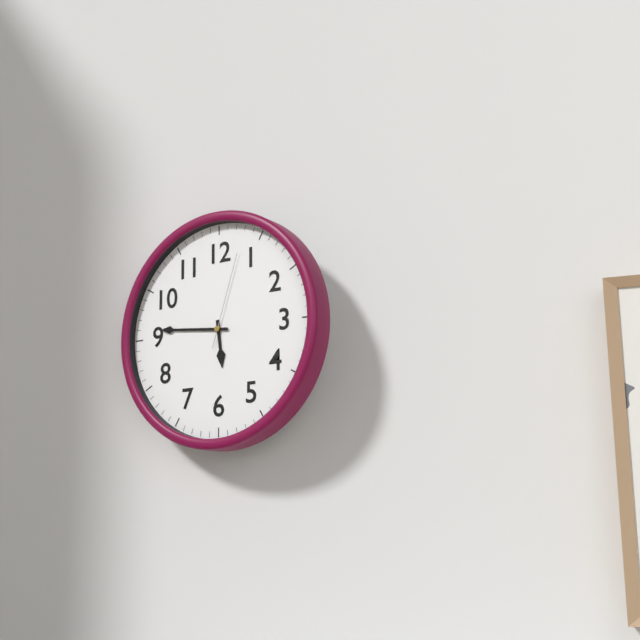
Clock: 5 h 46 min 03 s
